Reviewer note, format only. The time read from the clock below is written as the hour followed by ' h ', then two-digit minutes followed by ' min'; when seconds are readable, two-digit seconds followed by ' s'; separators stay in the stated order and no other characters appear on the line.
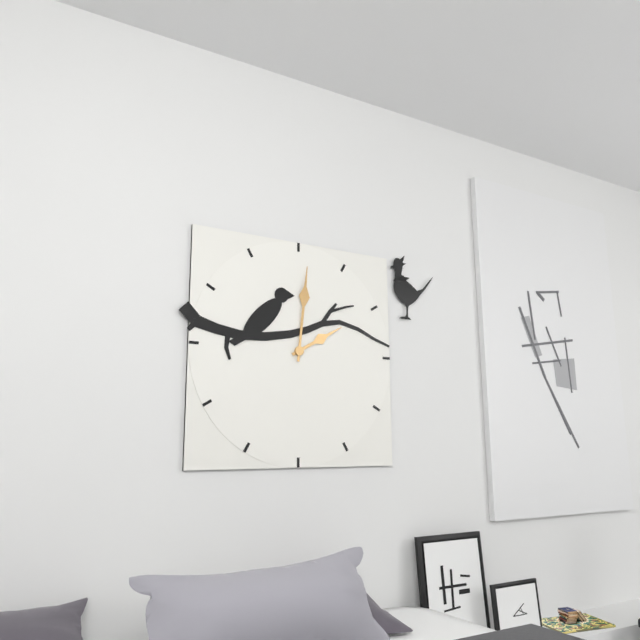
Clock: 2 h 01 min
